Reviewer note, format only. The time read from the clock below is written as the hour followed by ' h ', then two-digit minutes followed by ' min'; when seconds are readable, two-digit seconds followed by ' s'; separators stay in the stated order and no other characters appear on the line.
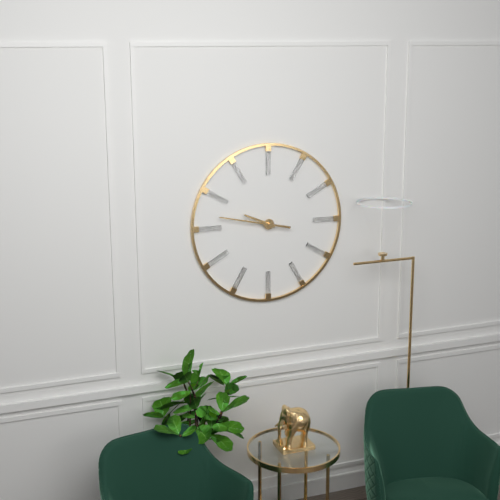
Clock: 9 h 47 min
